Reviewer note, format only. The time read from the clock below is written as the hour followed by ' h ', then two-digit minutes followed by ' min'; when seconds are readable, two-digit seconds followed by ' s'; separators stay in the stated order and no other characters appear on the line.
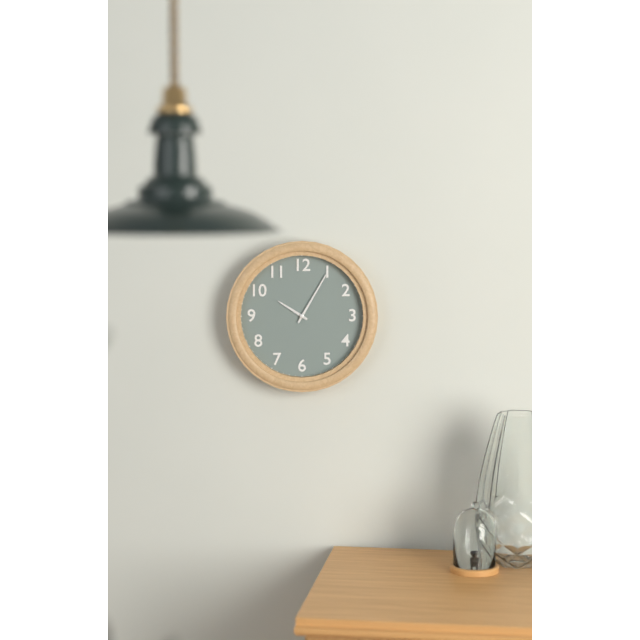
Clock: 10 h 05 min
